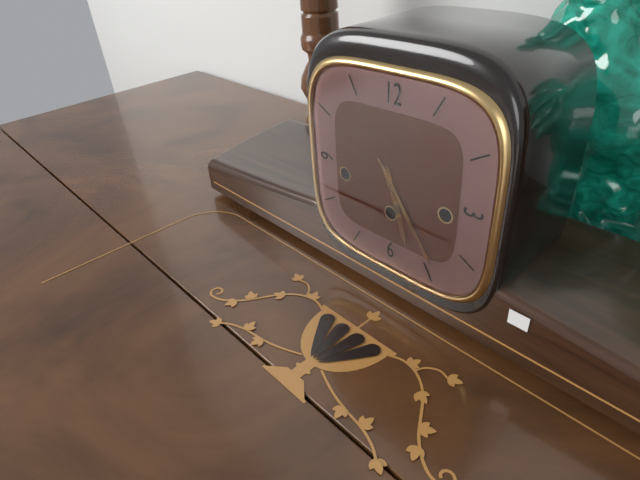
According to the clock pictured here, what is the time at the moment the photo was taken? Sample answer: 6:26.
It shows 5:24
